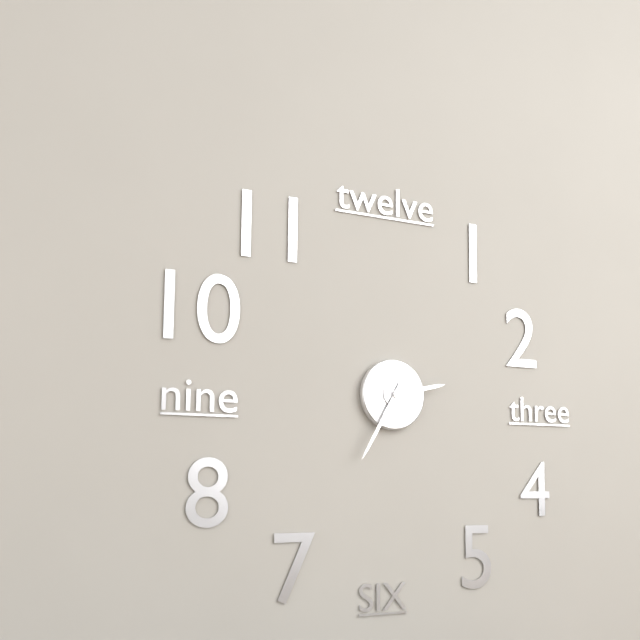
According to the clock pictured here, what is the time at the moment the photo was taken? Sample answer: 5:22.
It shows 2:35
